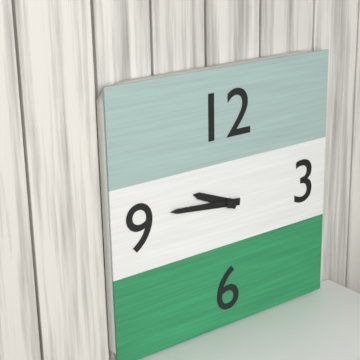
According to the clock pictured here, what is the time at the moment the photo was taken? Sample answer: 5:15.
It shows 9:46
